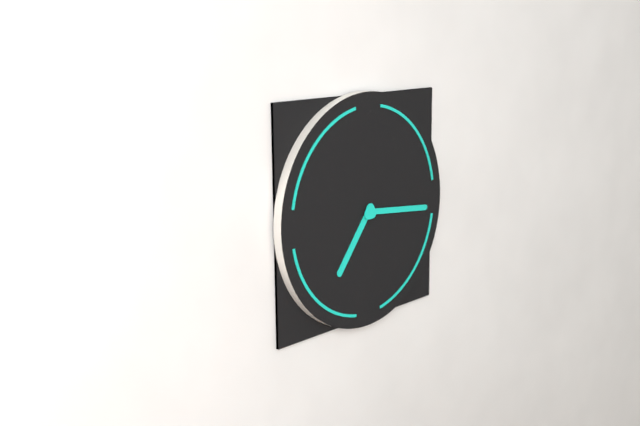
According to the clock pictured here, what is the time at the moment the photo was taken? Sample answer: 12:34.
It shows 7:16
